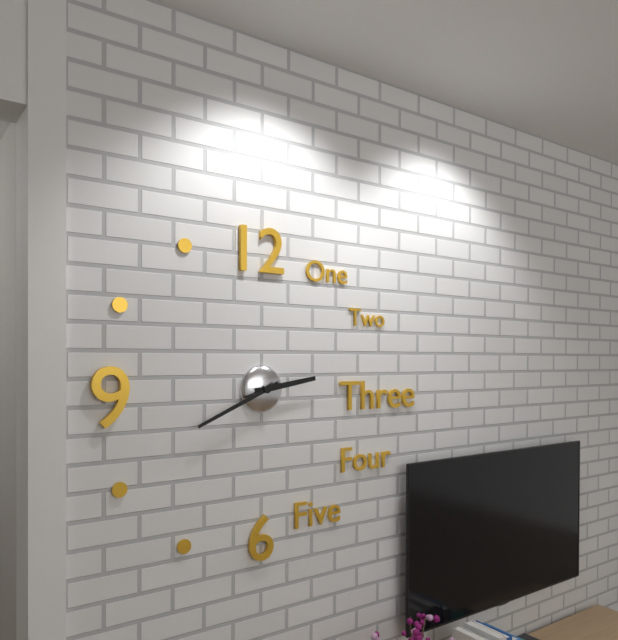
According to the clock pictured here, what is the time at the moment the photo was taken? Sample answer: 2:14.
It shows 2:41
